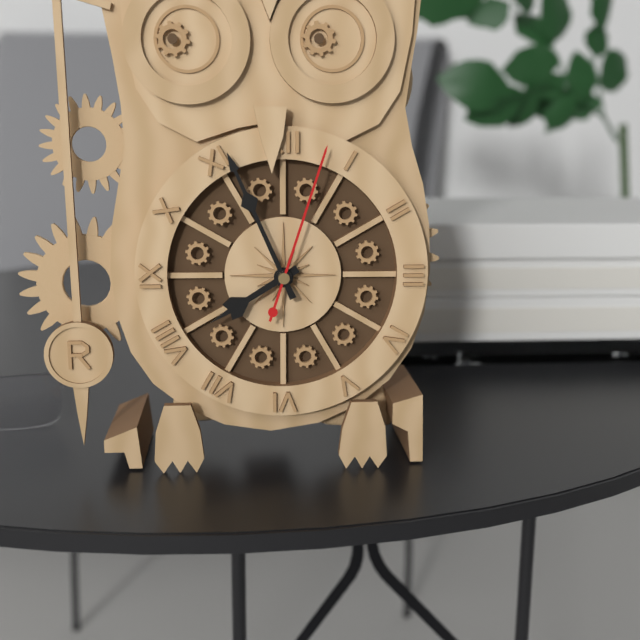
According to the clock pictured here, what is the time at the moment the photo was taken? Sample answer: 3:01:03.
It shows 7:56:03
